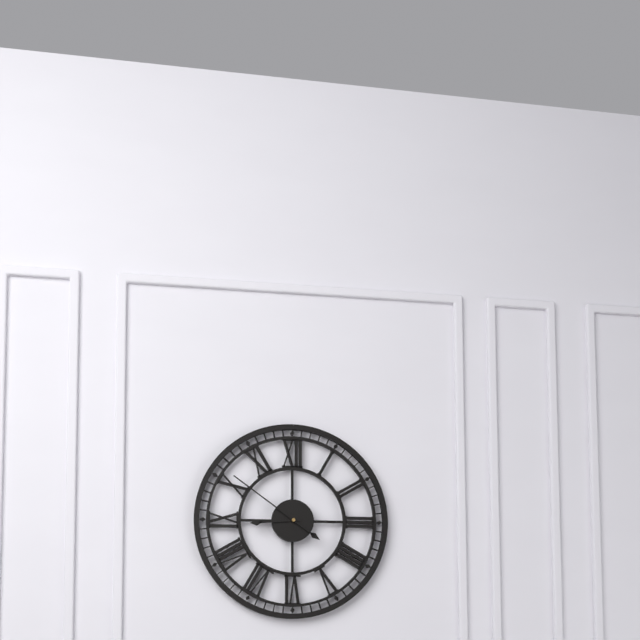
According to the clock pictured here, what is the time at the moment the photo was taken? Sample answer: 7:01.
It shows 8:51
